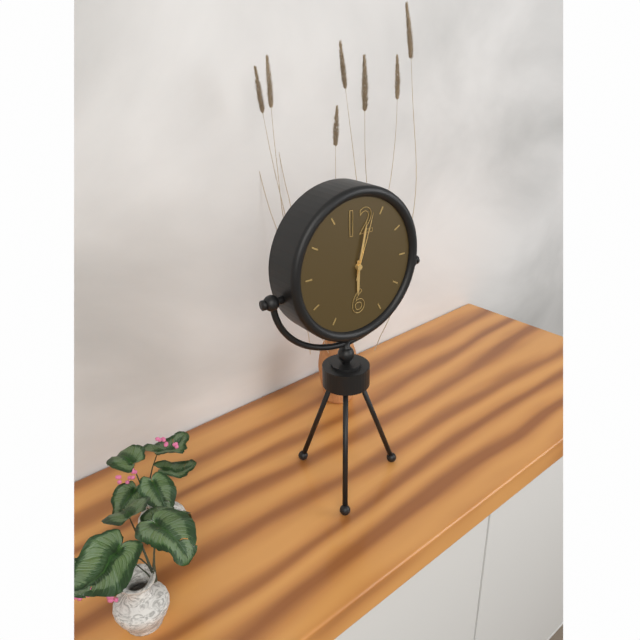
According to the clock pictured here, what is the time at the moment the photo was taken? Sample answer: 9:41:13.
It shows 6:02:03
